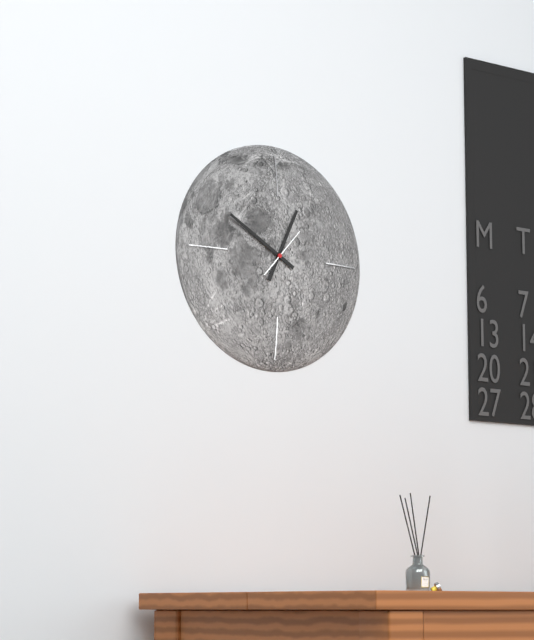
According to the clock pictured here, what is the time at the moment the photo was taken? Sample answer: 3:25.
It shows 12:50
